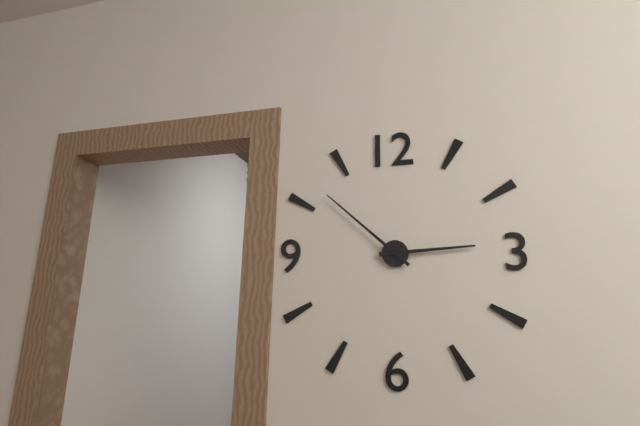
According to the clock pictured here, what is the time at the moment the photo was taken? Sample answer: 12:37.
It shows 2:52
